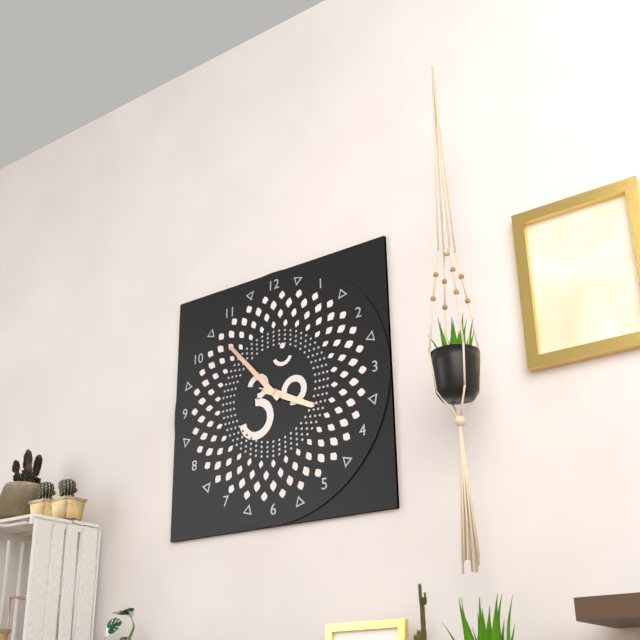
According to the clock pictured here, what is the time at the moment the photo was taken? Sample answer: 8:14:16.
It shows 3:53:19
